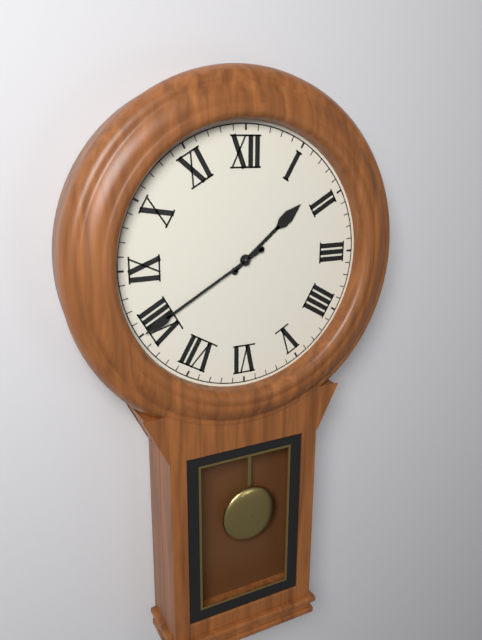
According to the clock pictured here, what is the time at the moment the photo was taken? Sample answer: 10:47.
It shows 1:40
